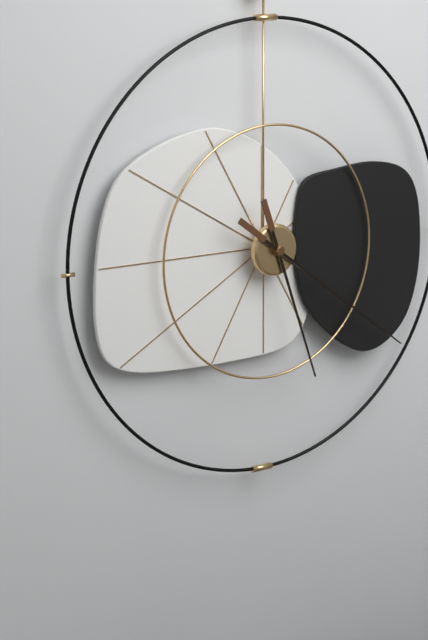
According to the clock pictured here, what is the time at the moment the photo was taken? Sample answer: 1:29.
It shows 5:21
